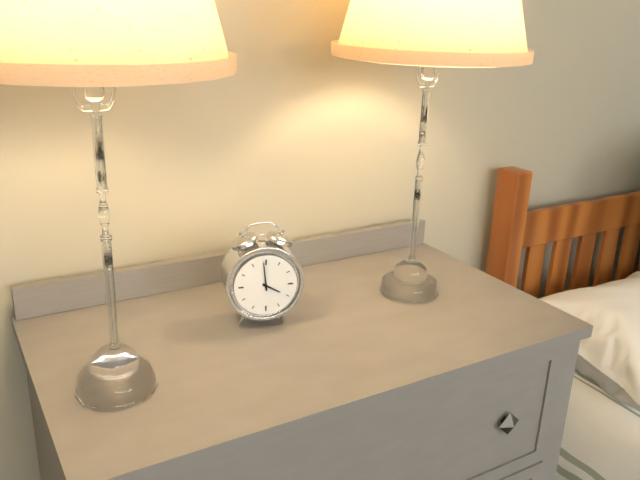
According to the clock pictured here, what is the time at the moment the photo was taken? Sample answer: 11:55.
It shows 3:59
